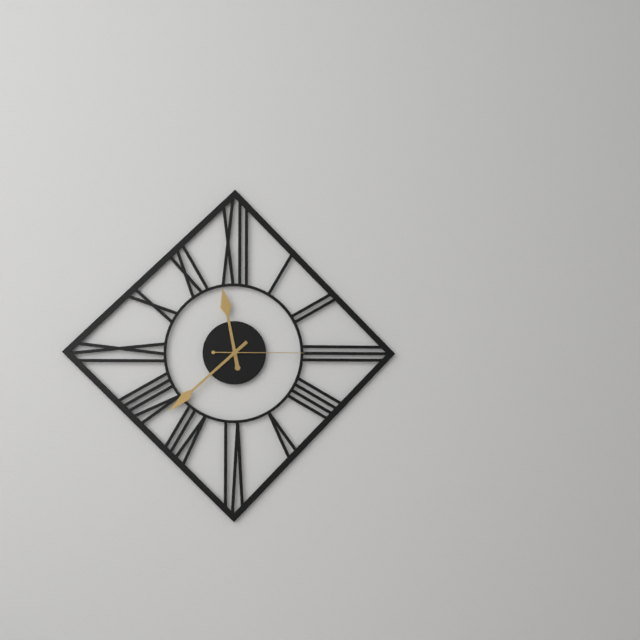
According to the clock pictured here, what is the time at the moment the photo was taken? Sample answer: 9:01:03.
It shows 11:38:15
